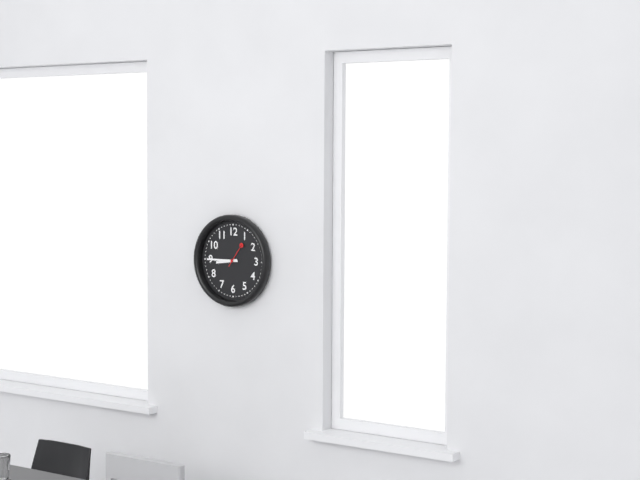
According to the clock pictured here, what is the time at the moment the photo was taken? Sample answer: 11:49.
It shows 8:45
